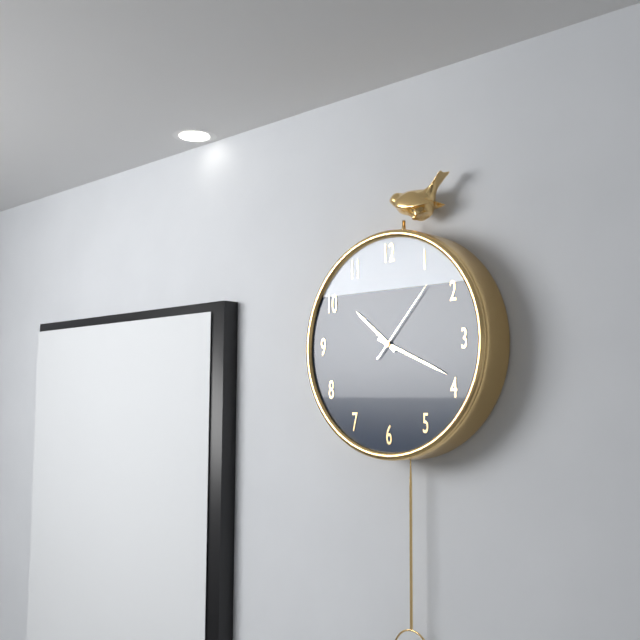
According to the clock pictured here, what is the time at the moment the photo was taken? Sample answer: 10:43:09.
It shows 10:19:07
